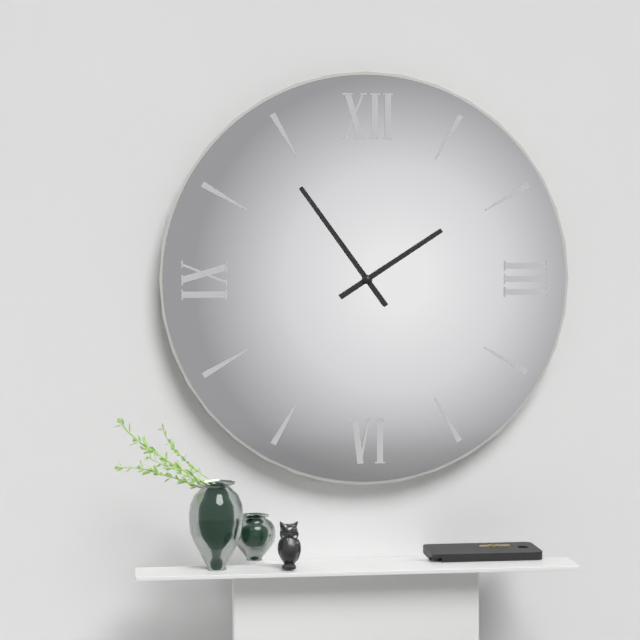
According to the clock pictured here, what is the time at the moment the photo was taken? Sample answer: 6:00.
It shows 1:54
